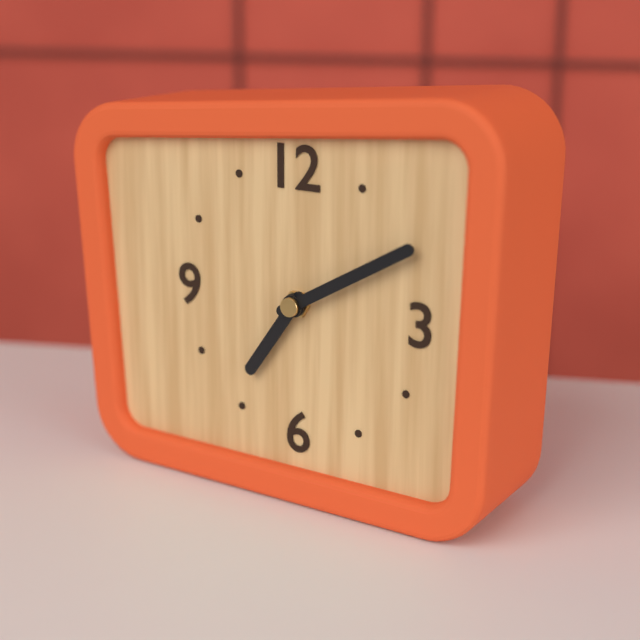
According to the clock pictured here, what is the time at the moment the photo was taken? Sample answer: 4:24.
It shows 7:10
